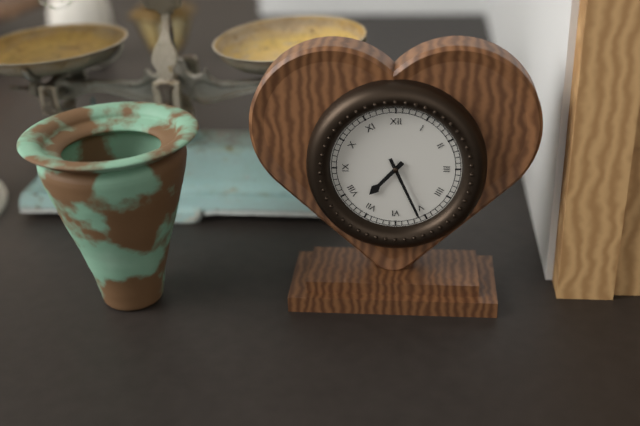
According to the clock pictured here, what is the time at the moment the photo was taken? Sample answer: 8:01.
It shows 7:26
